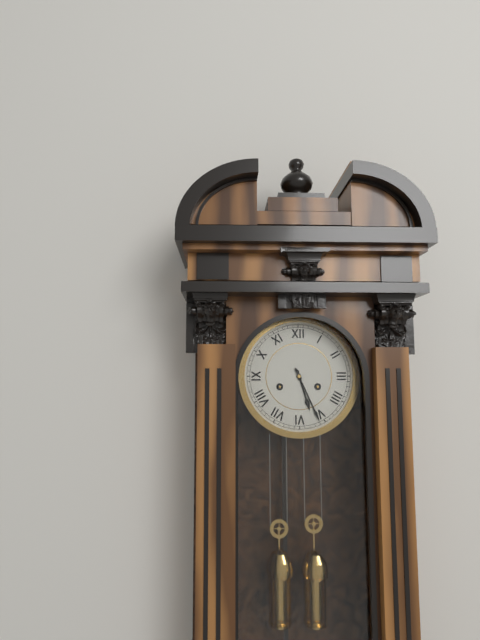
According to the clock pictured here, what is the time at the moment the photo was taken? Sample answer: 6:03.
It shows 5:26
